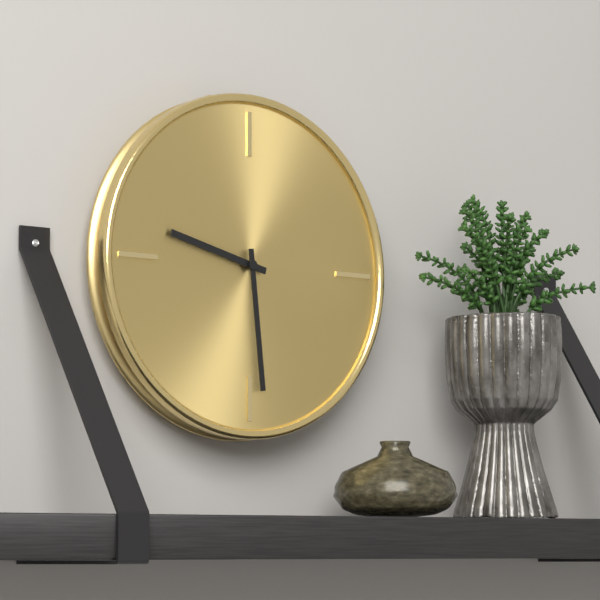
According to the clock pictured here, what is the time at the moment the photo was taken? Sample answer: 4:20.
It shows 9:29
